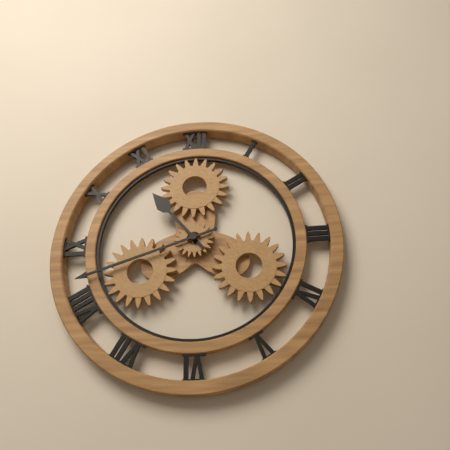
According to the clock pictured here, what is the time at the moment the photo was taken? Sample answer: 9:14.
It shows 10:42
